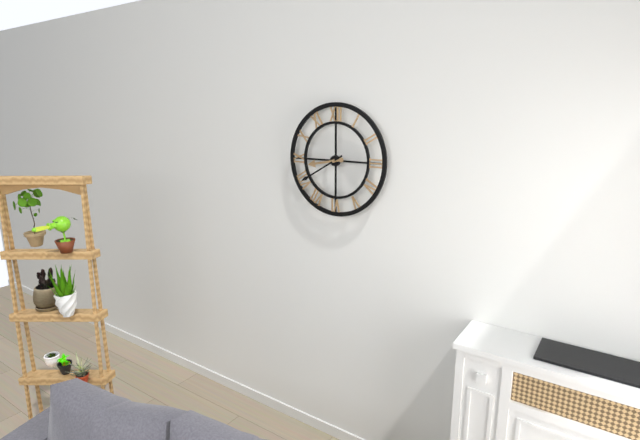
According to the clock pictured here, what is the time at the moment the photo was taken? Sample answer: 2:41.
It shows 8:40
